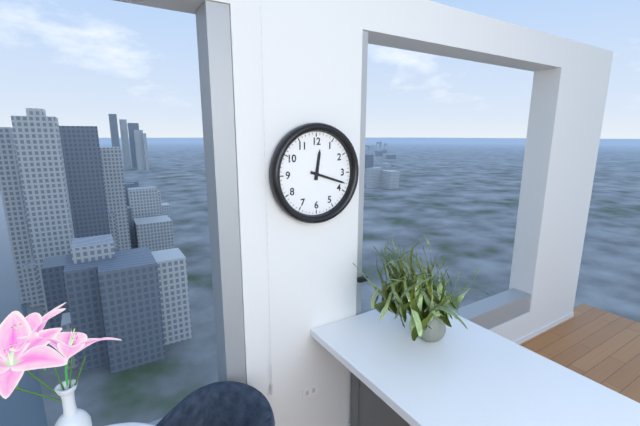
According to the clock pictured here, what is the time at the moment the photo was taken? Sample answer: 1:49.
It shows 12:18
